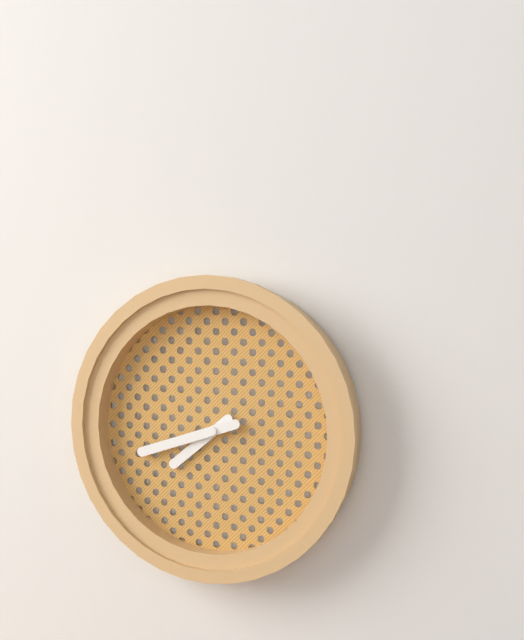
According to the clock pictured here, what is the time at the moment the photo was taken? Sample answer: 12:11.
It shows 7:42
